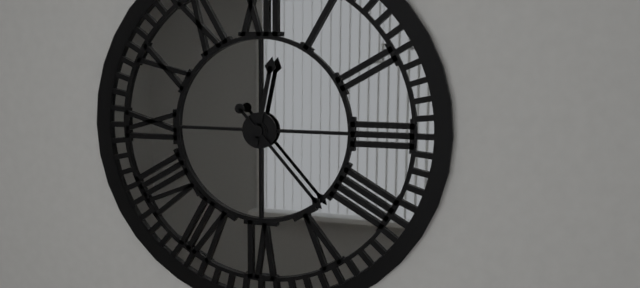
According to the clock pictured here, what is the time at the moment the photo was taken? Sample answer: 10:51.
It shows 12:23
